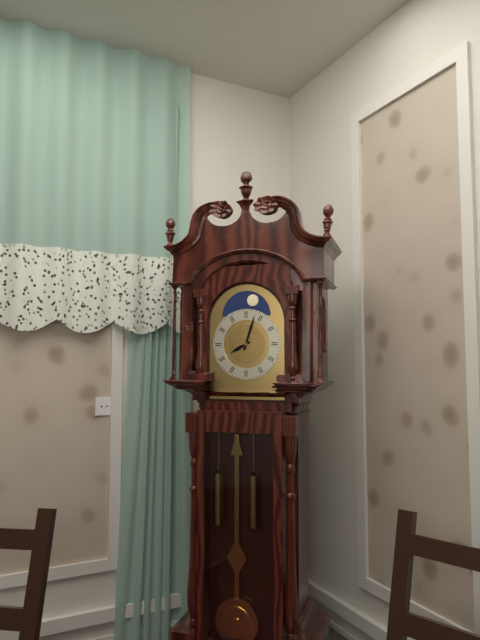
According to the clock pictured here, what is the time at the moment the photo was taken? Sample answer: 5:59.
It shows 8:03
